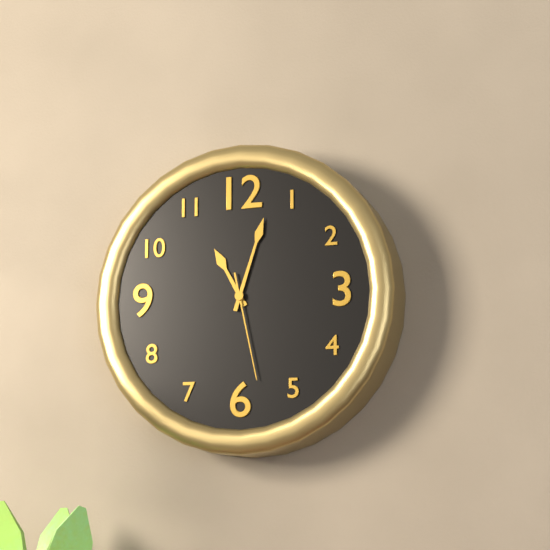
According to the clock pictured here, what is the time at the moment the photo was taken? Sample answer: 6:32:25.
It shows 11:03:28
